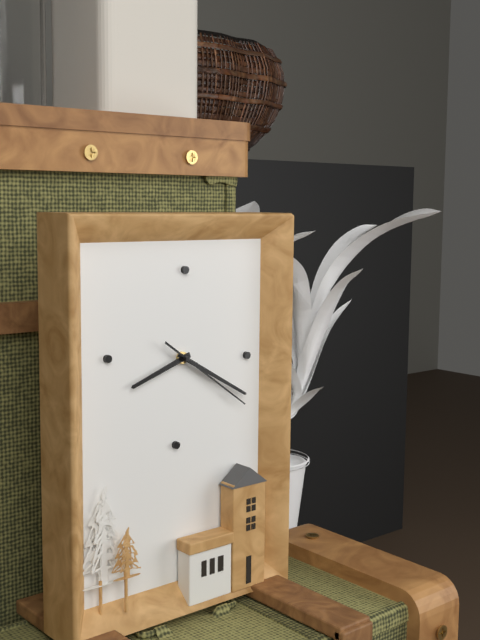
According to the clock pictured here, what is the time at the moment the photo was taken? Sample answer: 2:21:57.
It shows 8:20:21
